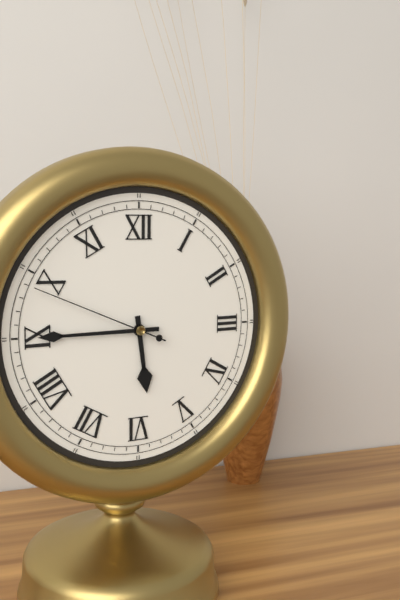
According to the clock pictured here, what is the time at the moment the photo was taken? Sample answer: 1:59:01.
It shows 5:45:49
